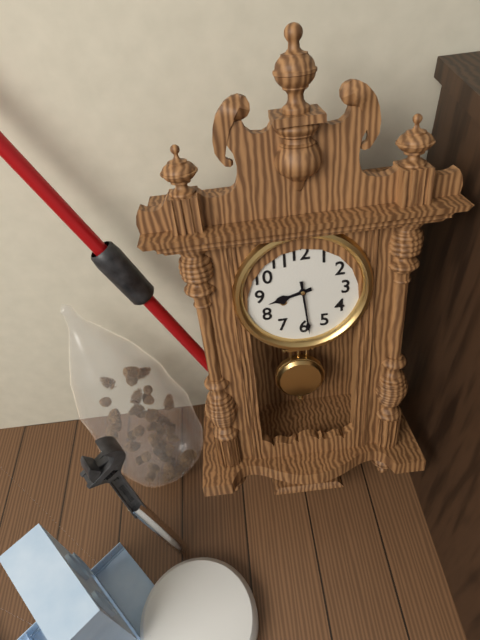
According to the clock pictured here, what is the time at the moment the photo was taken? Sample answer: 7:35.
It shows 8:29
